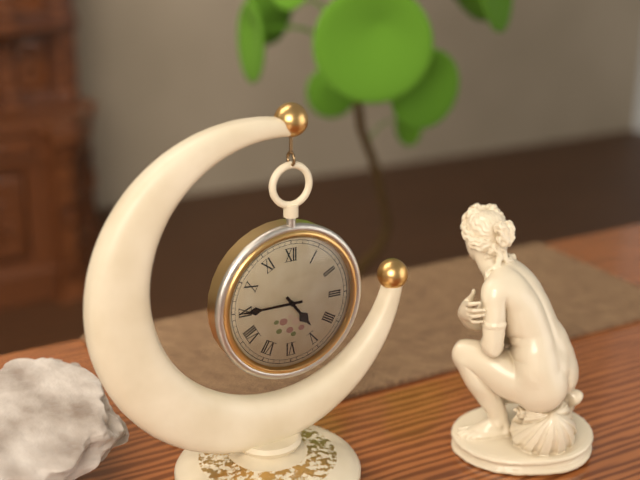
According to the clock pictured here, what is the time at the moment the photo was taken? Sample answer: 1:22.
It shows 4:45
